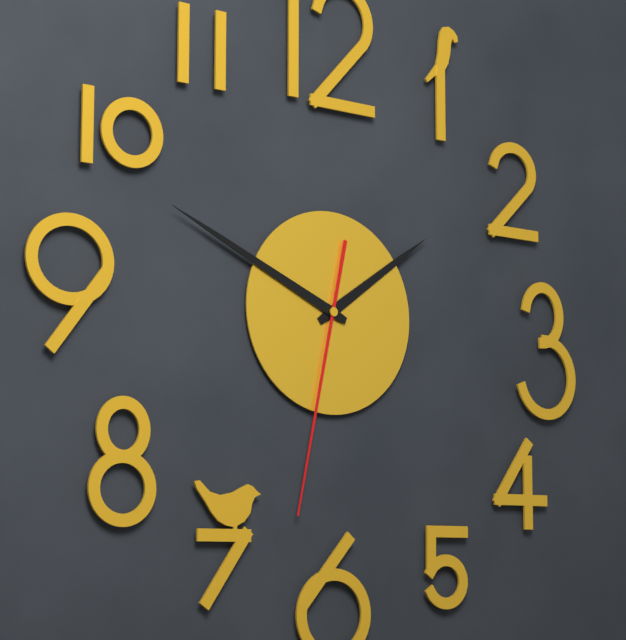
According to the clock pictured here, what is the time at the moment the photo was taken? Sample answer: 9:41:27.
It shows 1:49:32
